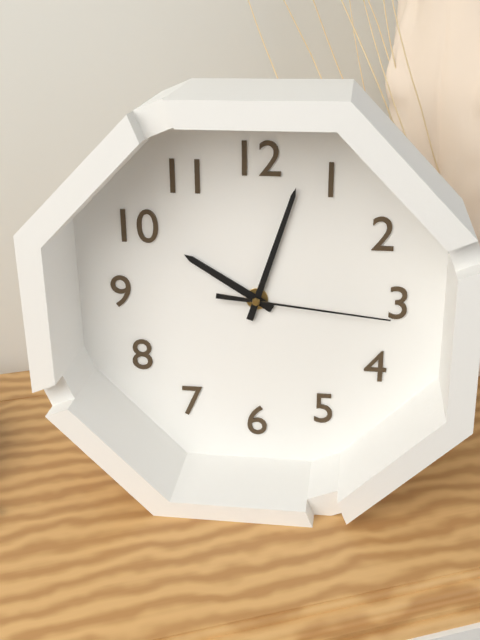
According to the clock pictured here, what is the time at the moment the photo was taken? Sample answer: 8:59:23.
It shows 10:03:16
